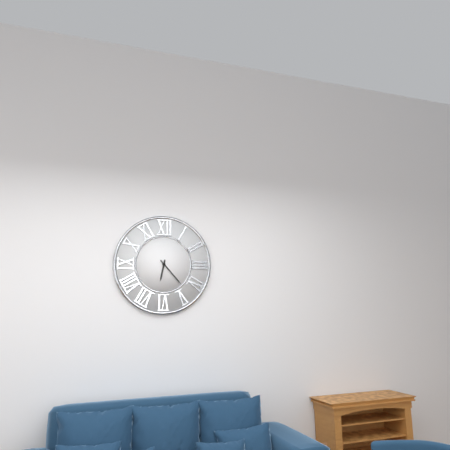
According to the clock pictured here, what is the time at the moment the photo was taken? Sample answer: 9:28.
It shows 6:23
